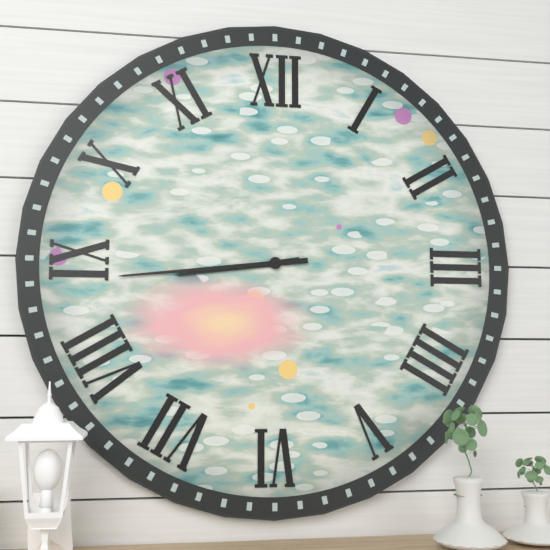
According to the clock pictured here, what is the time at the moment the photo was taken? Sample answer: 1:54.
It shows 8:44
